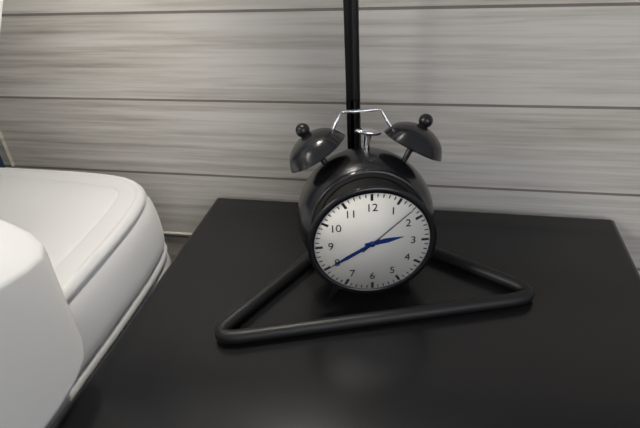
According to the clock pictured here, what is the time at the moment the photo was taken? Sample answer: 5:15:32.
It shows 2:40:08
